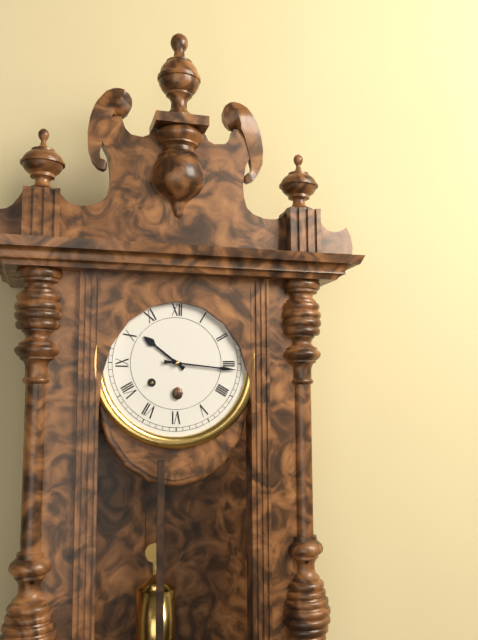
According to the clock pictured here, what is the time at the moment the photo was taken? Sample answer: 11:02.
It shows 10:16
